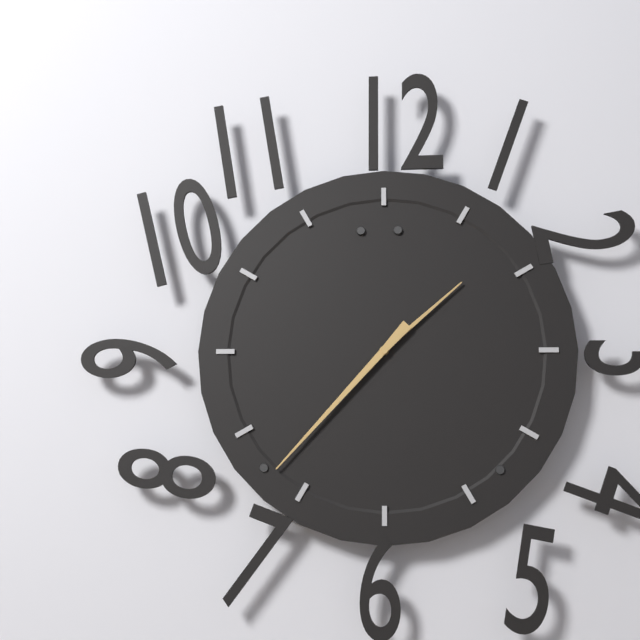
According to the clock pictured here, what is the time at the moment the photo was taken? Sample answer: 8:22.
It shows 1:37
